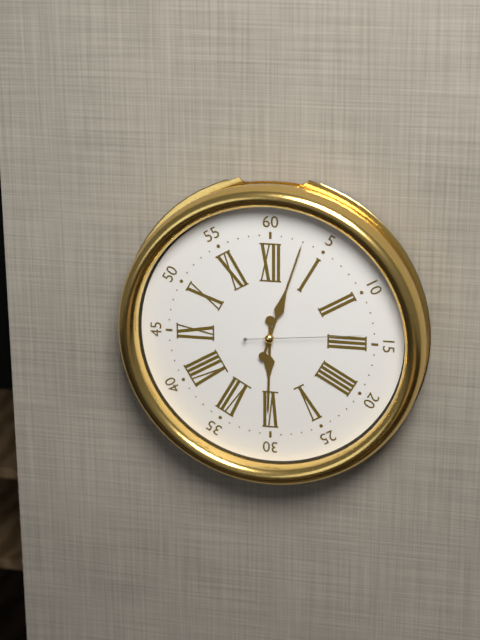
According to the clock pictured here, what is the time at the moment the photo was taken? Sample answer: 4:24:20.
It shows 6:03:14
